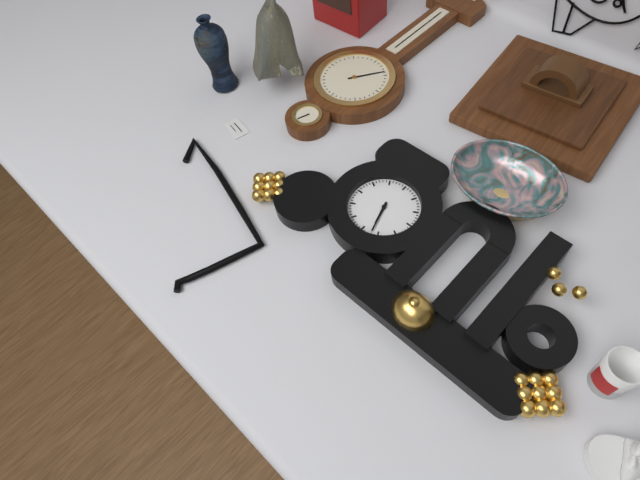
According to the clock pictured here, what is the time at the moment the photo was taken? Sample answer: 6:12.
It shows 5:27
